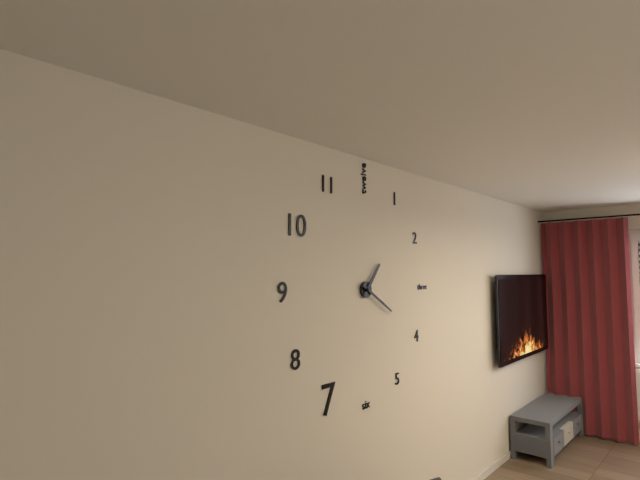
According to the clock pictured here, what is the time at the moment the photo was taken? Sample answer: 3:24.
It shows 1:20
